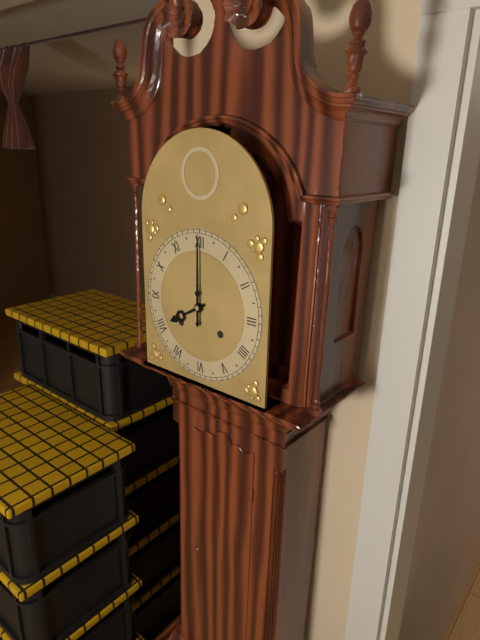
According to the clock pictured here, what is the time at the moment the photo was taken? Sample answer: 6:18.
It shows 8:00
